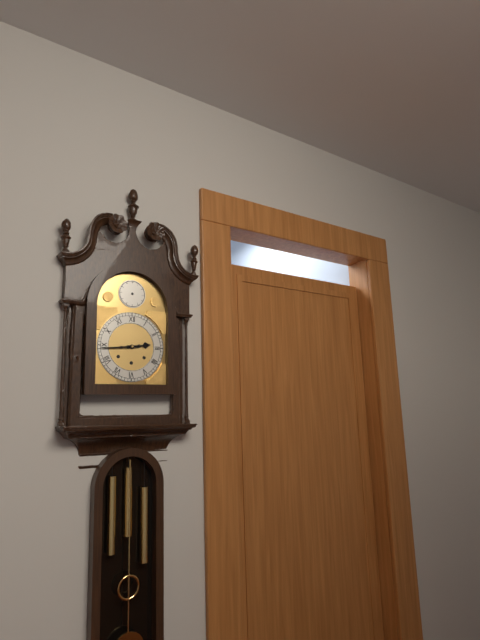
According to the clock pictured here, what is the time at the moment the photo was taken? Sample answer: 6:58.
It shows 2:44
